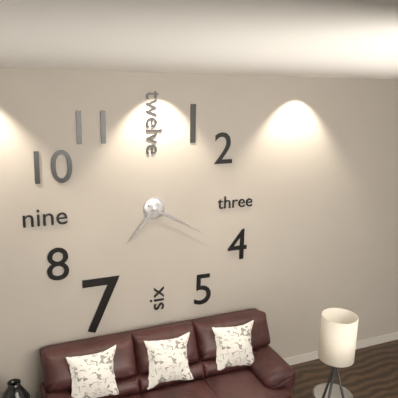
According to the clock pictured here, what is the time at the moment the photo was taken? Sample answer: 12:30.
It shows 7:20
